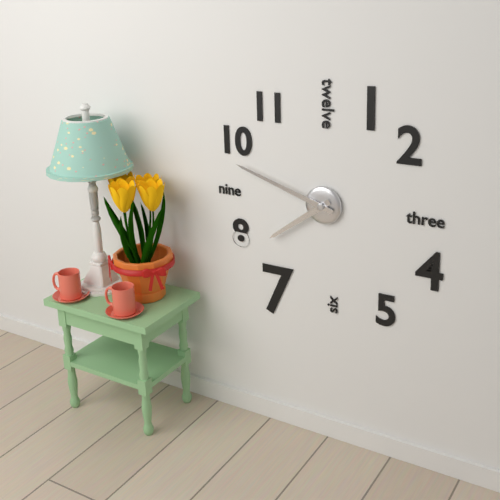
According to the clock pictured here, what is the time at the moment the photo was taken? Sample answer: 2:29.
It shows 7:48
